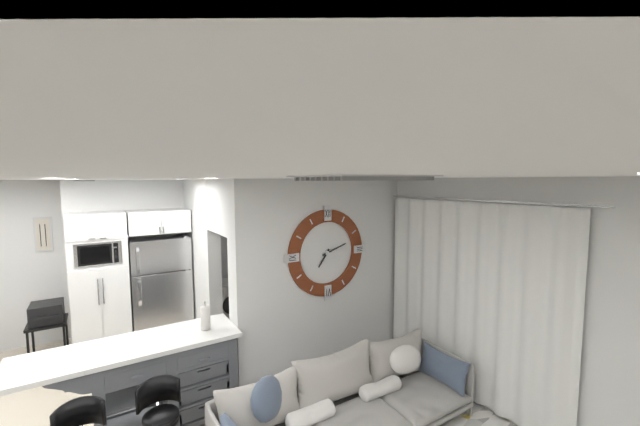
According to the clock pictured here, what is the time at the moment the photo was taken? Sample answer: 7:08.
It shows 7:12
